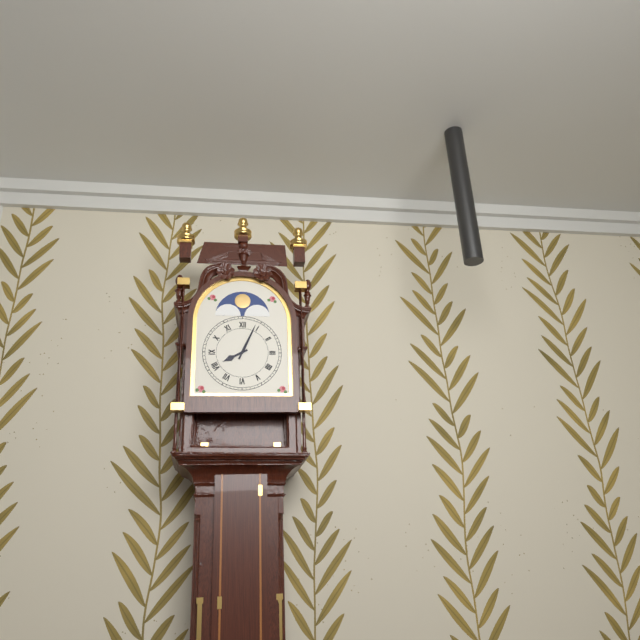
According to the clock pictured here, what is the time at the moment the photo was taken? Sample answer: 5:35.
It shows 8:04
